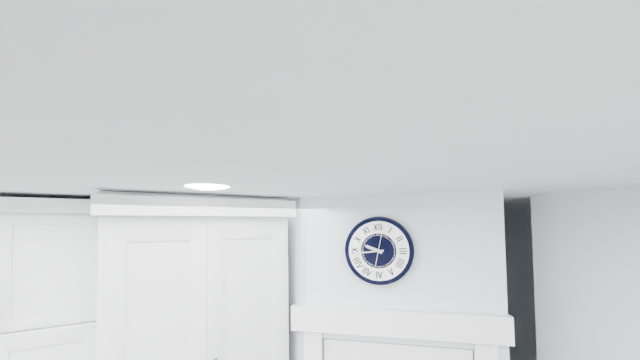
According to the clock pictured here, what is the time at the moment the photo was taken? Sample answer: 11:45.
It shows 9:44
